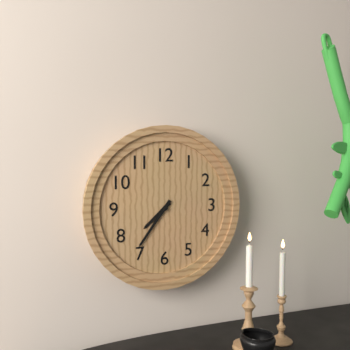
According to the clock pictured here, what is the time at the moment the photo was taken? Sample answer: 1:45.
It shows 7:36
